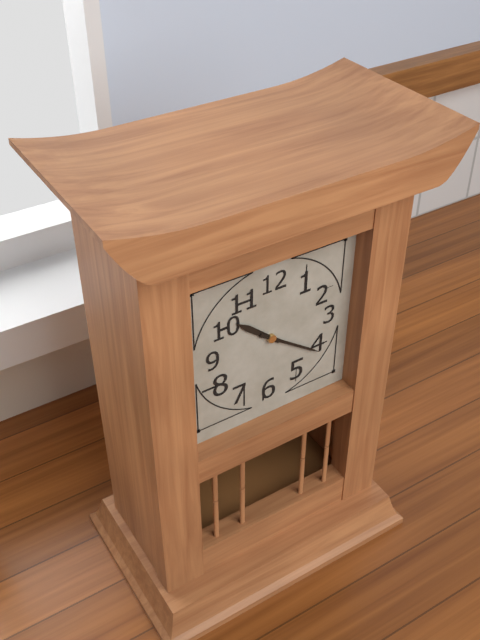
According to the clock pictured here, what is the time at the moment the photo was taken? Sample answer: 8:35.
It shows 10:21
